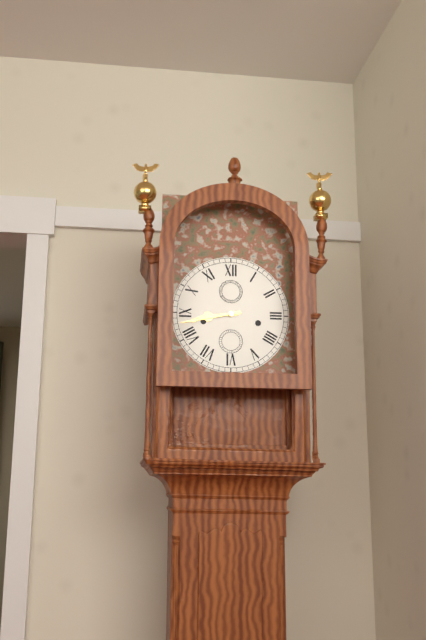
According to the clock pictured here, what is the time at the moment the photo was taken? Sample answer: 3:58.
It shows 8:43
